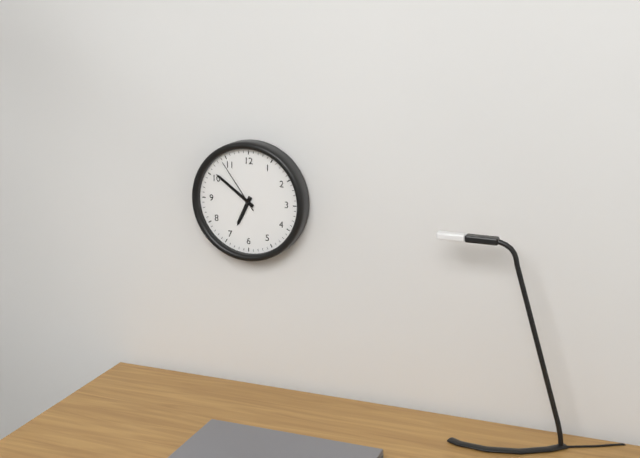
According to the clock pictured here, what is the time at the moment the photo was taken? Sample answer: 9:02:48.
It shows 6:51:54
